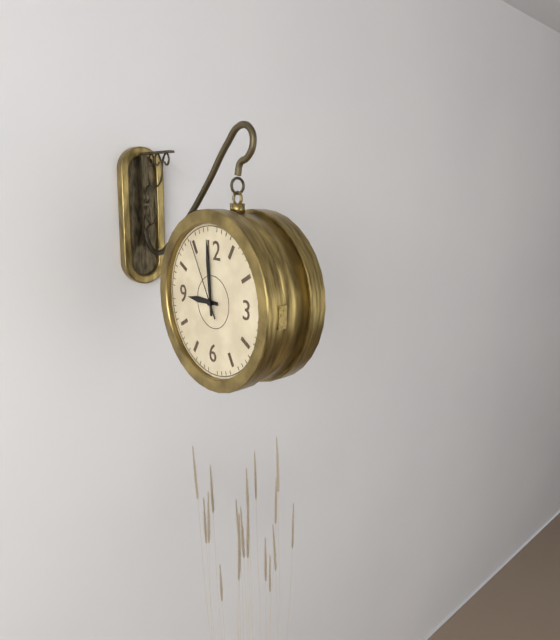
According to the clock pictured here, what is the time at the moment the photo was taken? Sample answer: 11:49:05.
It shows 8:59:55
